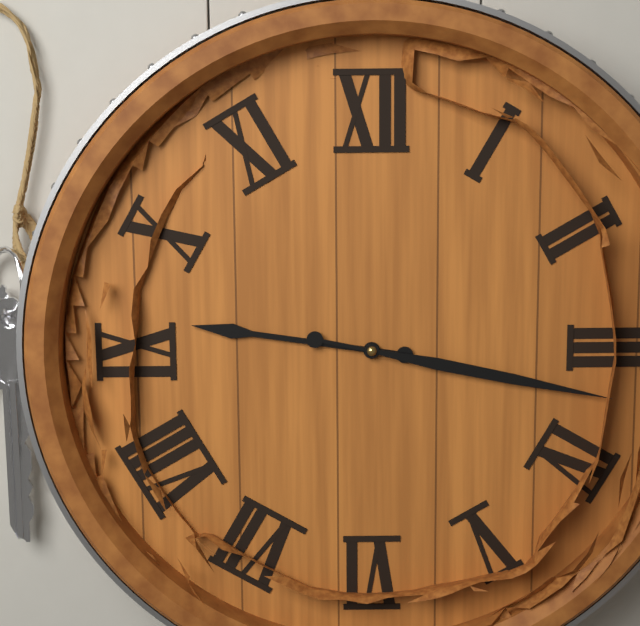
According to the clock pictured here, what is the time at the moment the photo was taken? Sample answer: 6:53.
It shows 9:17
